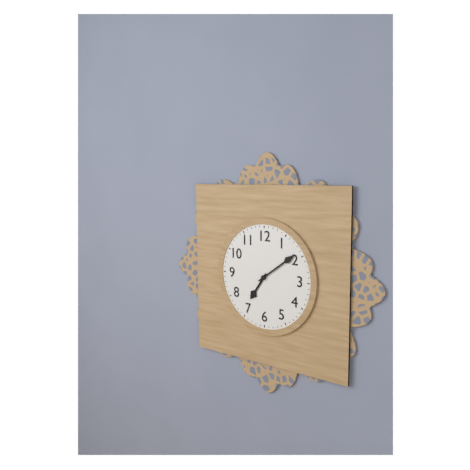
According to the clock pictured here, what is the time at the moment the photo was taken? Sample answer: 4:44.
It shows 7:09
